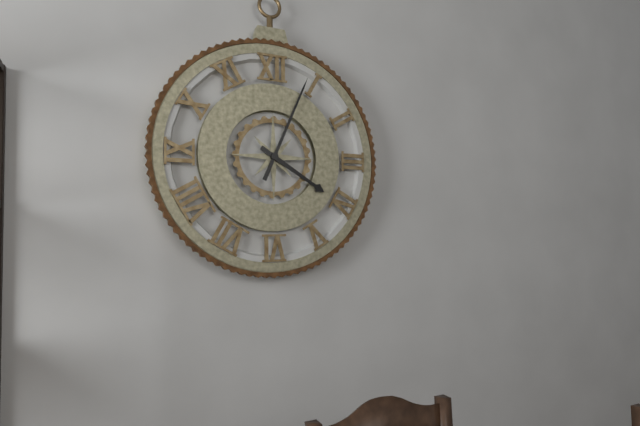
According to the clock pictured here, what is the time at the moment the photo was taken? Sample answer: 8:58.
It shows 4:04
